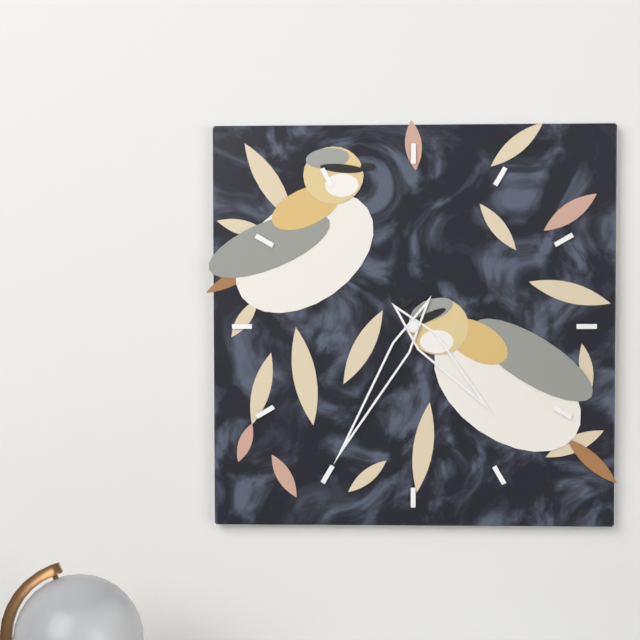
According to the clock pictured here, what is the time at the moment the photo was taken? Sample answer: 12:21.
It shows 4:35
